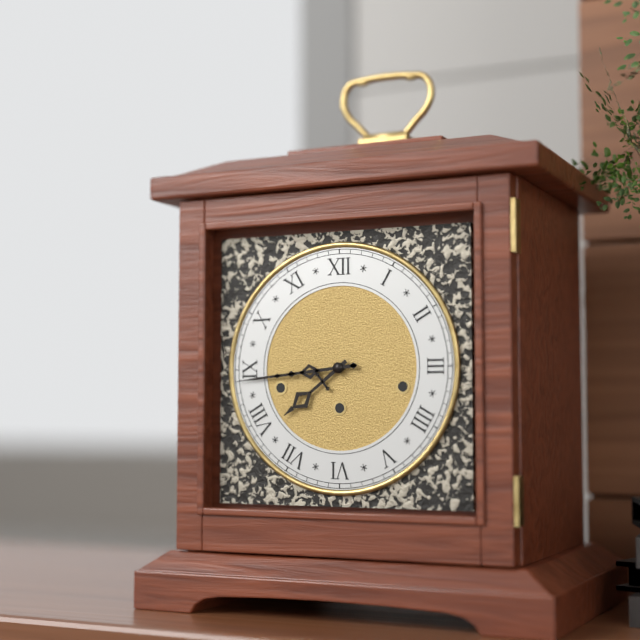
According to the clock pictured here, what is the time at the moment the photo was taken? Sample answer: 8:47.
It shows 7:44
